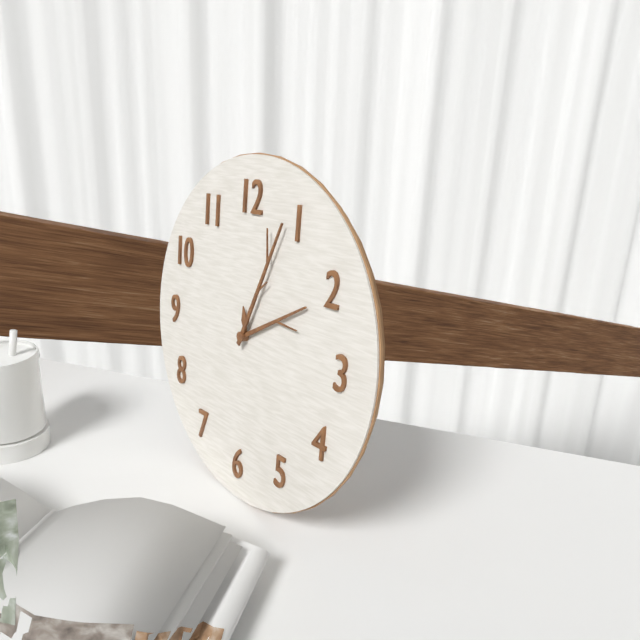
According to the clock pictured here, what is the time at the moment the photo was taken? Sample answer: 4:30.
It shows 2:04
